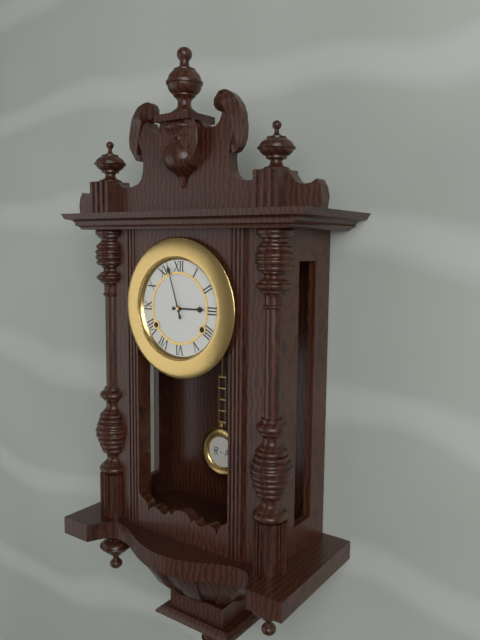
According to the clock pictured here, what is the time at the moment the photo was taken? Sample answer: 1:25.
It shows 2:57
